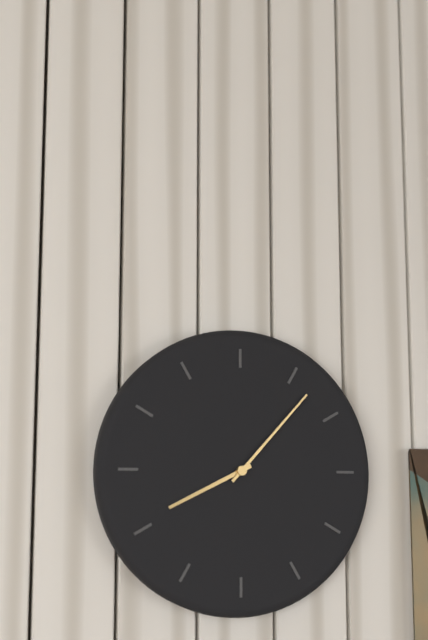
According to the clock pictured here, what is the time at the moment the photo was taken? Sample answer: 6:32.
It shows 8:07
